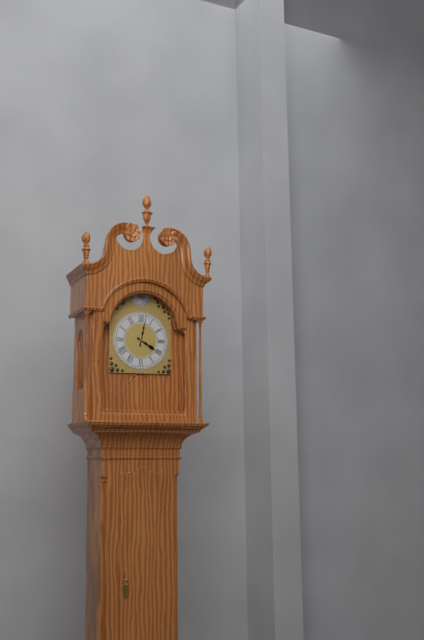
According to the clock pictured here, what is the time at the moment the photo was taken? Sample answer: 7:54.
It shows 4:02
